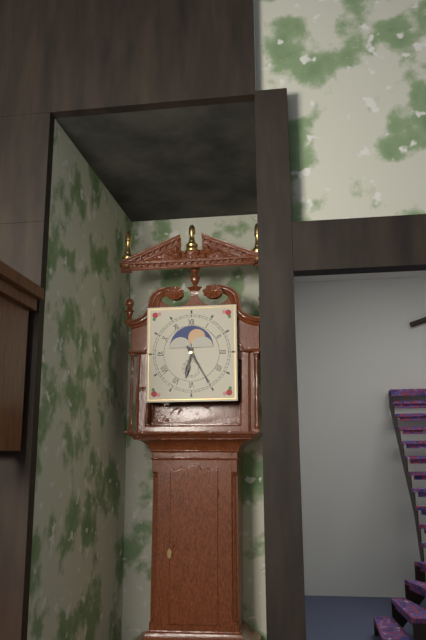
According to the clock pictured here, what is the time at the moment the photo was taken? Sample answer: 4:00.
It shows 6:25
